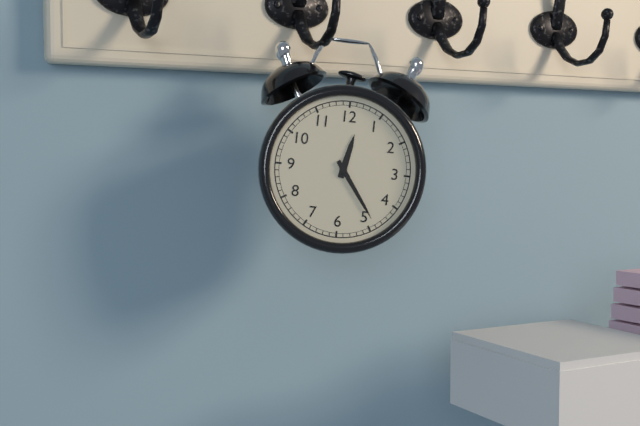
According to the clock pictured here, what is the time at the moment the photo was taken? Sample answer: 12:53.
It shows 12:24
